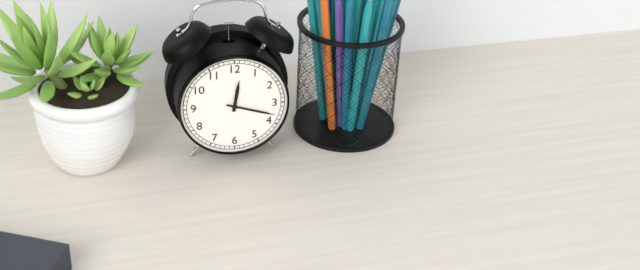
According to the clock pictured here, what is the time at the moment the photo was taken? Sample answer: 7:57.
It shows 12:18
